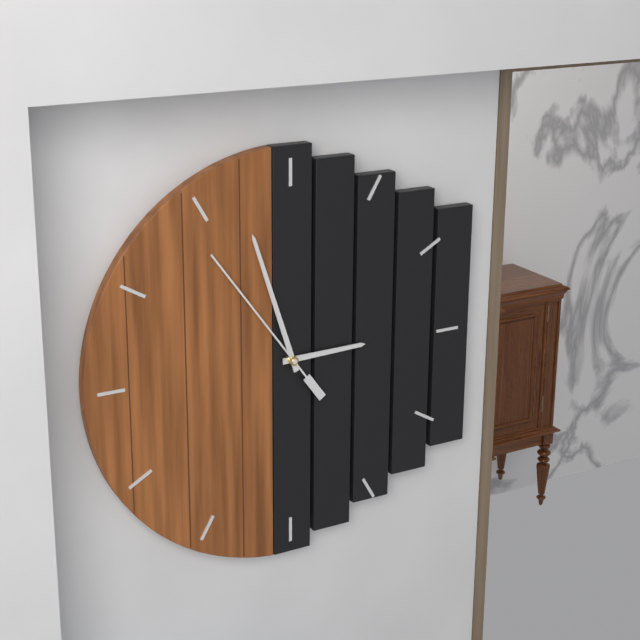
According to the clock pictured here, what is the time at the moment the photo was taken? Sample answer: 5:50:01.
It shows 2:57:54
